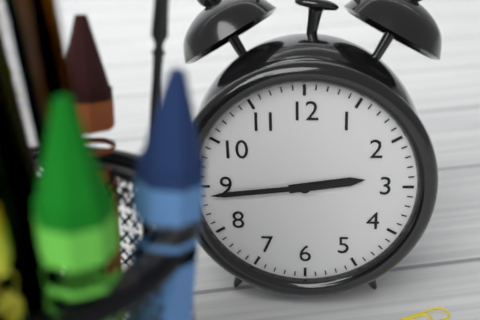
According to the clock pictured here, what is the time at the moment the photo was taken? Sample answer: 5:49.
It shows 2:44
